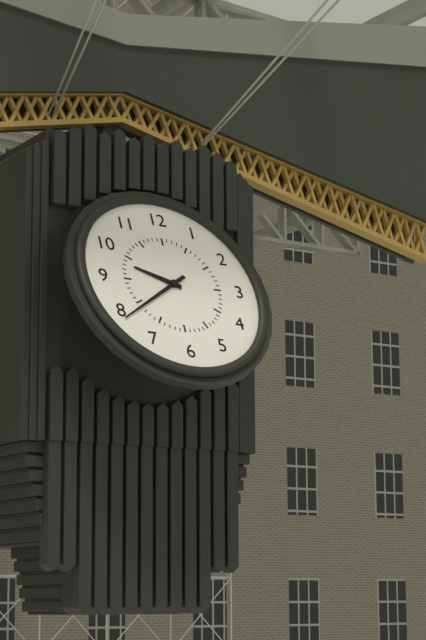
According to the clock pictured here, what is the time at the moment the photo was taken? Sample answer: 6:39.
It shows 9:39
